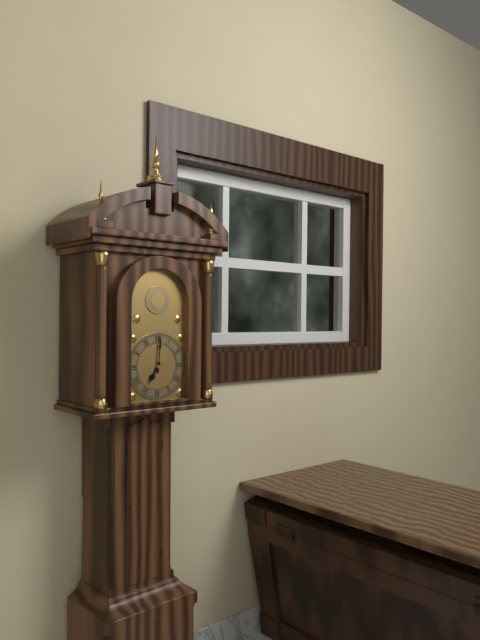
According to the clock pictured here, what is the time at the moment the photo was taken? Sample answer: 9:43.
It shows 7:01
